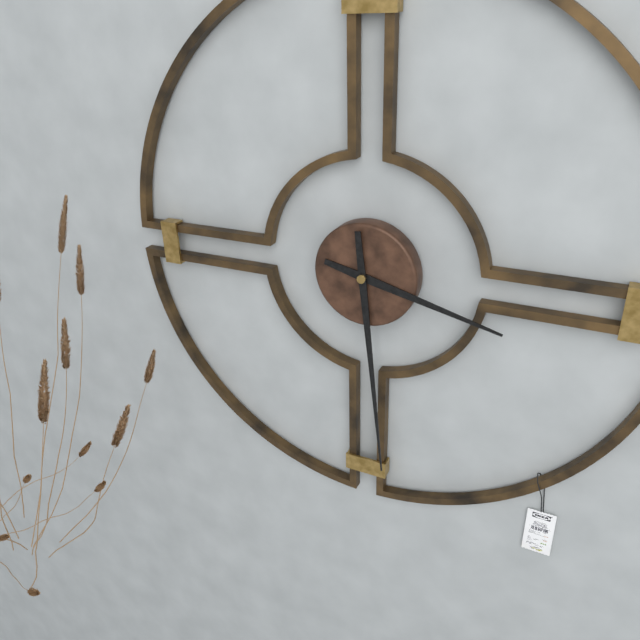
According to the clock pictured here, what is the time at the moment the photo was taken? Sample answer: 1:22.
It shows 3:29
